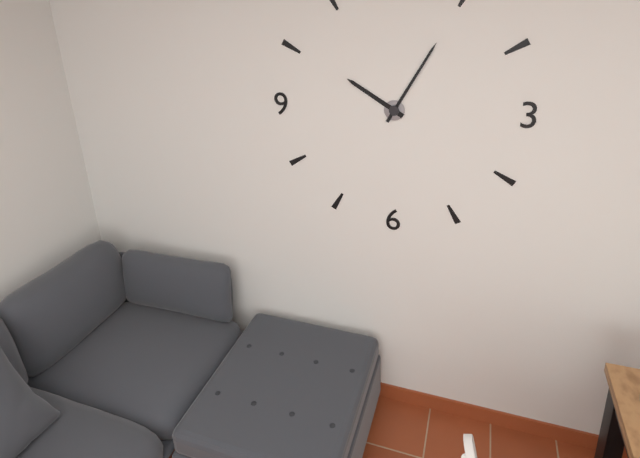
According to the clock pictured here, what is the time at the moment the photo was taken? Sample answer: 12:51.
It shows 10:05
